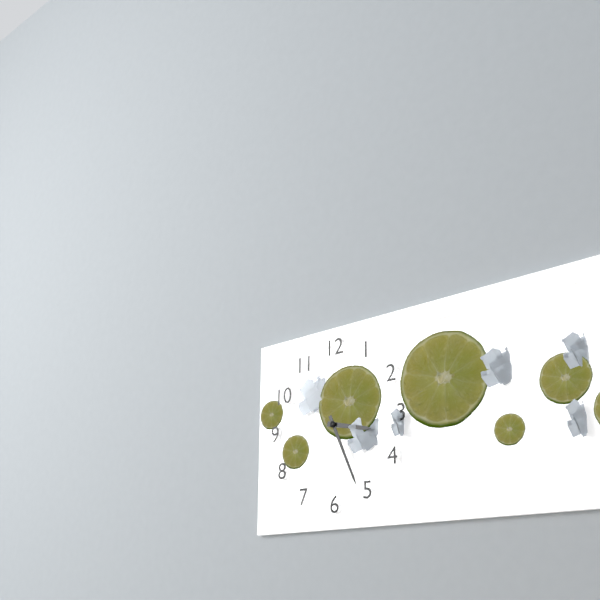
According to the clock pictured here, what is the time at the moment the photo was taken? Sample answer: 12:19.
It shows 3:26
